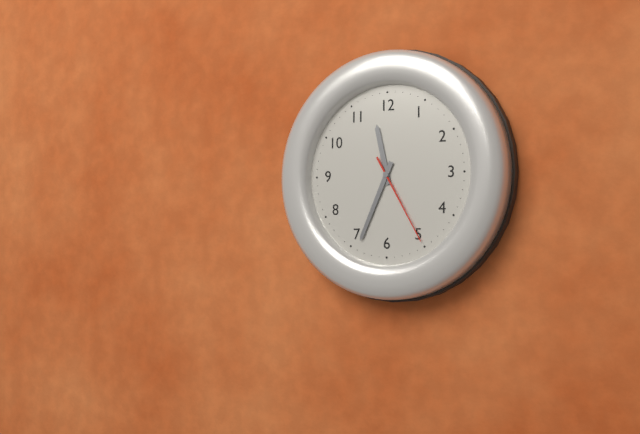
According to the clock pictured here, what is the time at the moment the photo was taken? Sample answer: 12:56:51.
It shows 11:34:25
